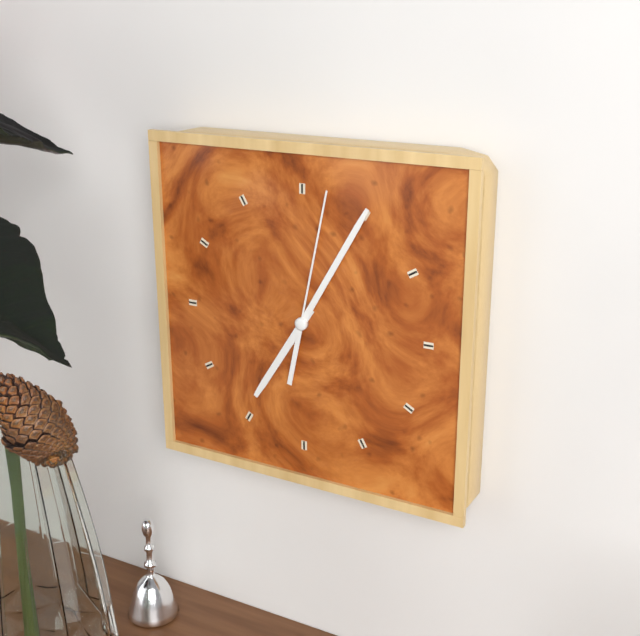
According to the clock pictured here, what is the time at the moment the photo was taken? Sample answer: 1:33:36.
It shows 7:05:02
